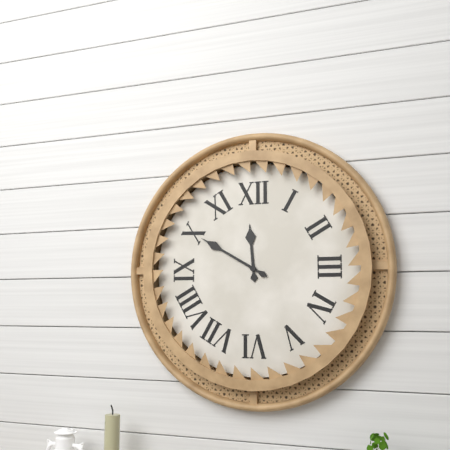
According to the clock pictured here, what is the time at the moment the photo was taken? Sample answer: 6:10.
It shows 11:50
